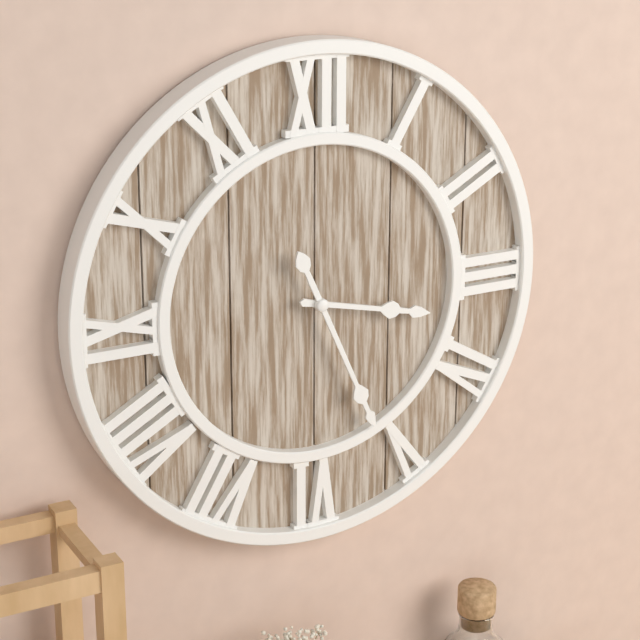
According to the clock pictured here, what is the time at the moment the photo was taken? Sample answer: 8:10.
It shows 3:26
